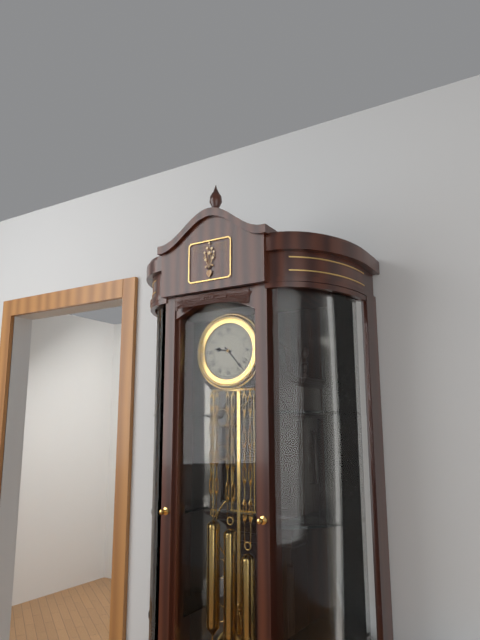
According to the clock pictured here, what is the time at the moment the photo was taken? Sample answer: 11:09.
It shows 9:23
